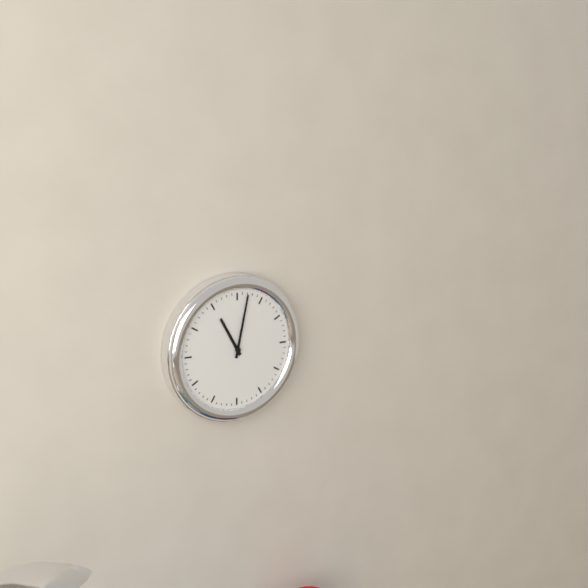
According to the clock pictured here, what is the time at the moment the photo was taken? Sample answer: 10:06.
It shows 11:02
